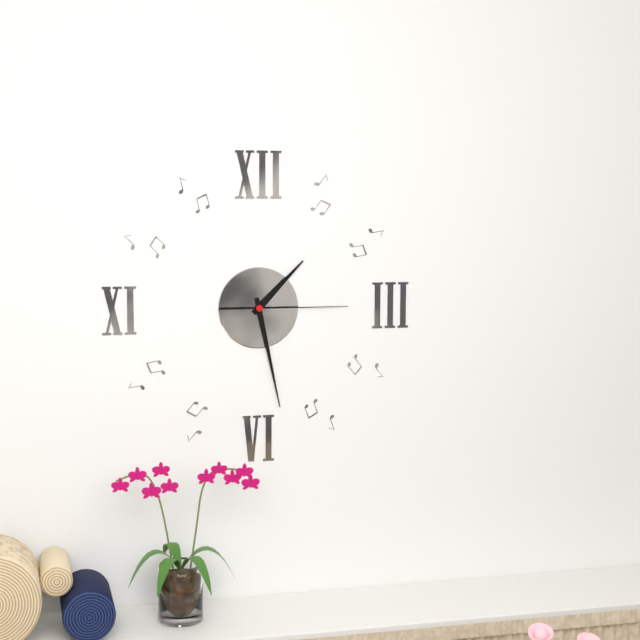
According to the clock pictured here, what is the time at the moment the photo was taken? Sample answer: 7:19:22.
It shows 1:28:15
